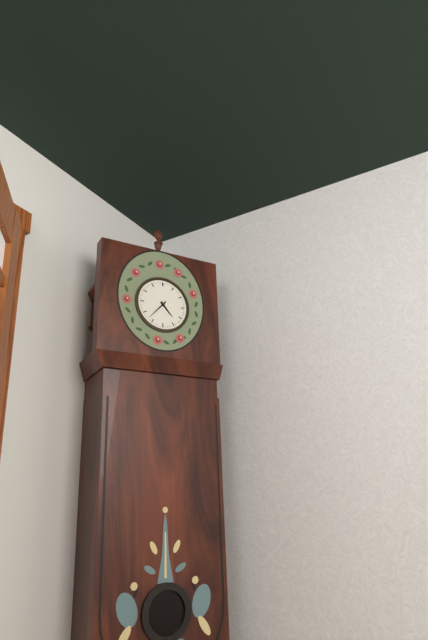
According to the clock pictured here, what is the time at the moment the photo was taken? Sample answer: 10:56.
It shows 4:37
